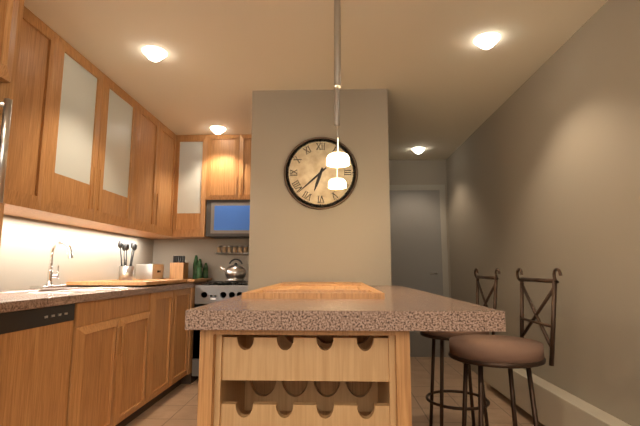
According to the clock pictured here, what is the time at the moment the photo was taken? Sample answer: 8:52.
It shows 6:38
